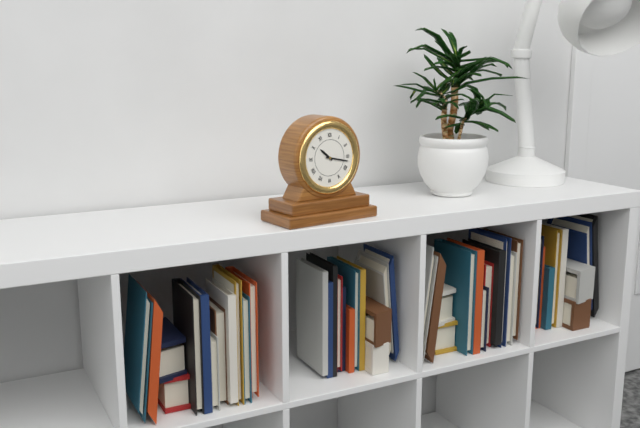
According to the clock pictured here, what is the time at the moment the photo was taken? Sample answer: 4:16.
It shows 10:17
